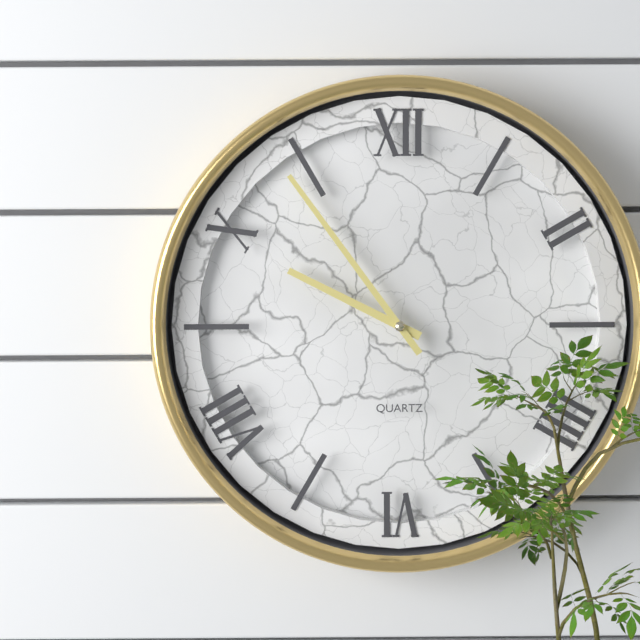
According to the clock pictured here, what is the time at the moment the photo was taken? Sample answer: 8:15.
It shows 9:54
